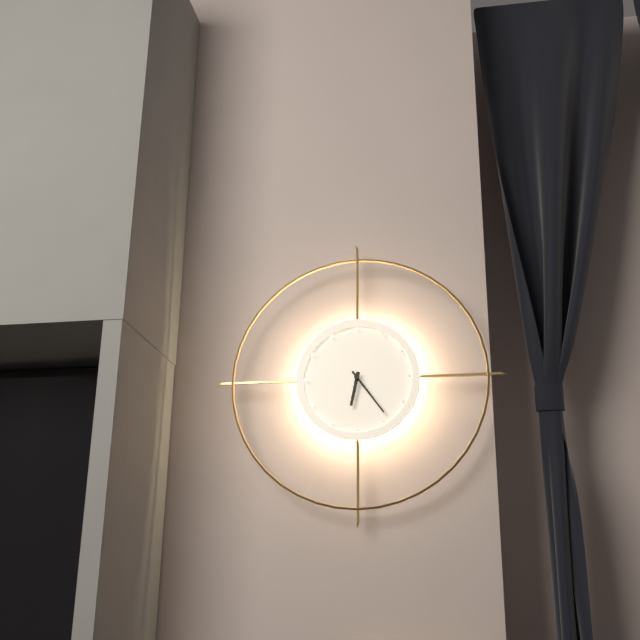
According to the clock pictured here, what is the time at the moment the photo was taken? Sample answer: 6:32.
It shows 6:24
